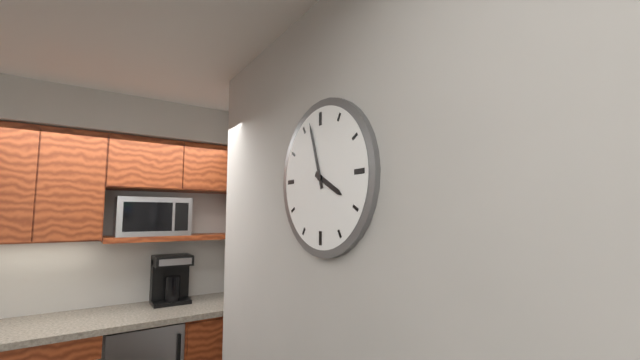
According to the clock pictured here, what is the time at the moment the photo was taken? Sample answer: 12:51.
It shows 3:57
